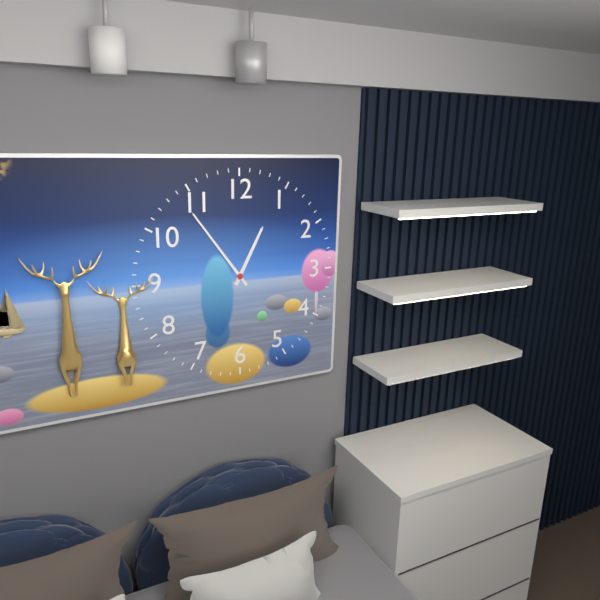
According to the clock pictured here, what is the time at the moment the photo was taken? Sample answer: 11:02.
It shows 12:54
